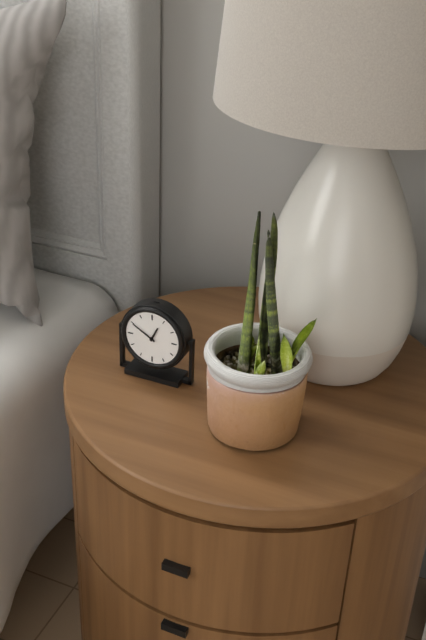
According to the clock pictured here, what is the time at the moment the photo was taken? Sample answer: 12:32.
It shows 12:50
